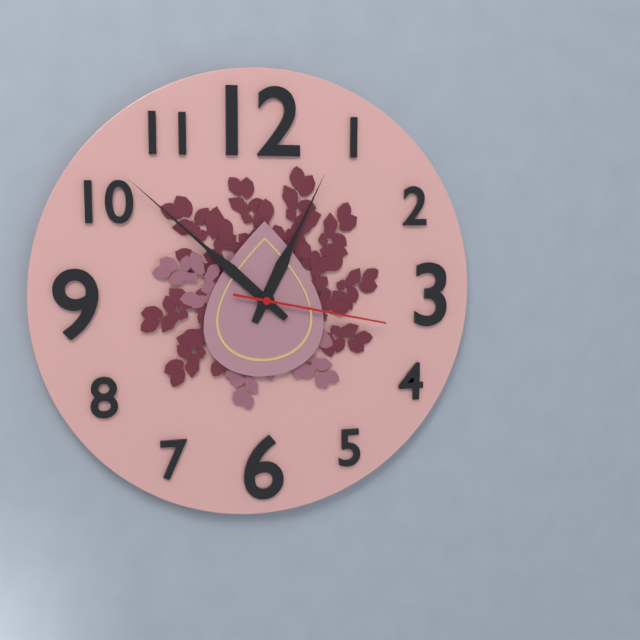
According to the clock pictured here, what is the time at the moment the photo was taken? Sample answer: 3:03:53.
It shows 12:52:17
